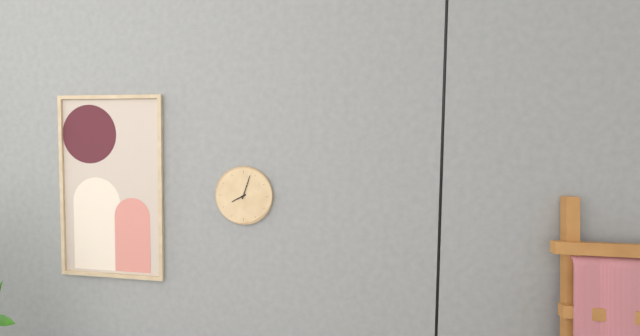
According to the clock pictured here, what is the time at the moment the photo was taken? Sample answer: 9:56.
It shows 8:03
